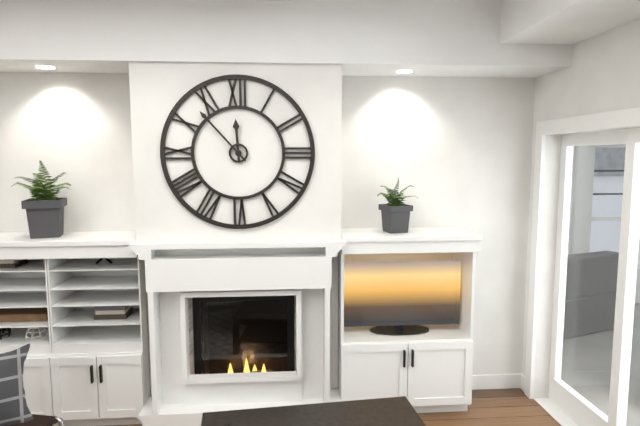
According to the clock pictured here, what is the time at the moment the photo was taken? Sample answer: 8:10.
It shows 11:53
